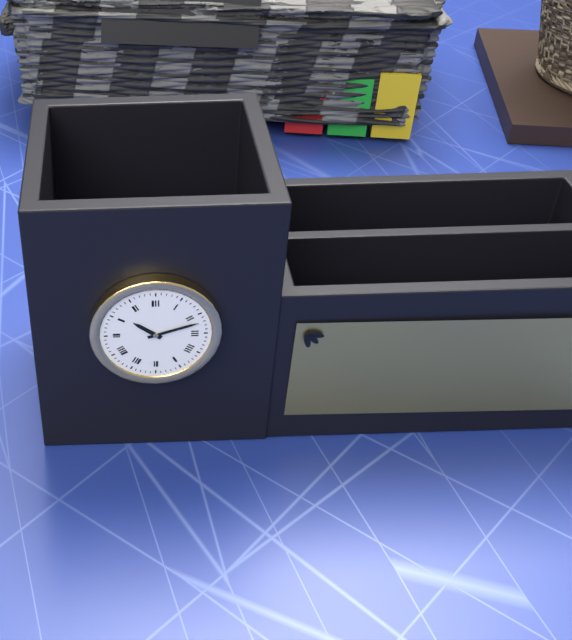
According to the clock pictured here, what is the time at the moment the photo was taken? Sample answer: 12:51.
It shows 10:12
